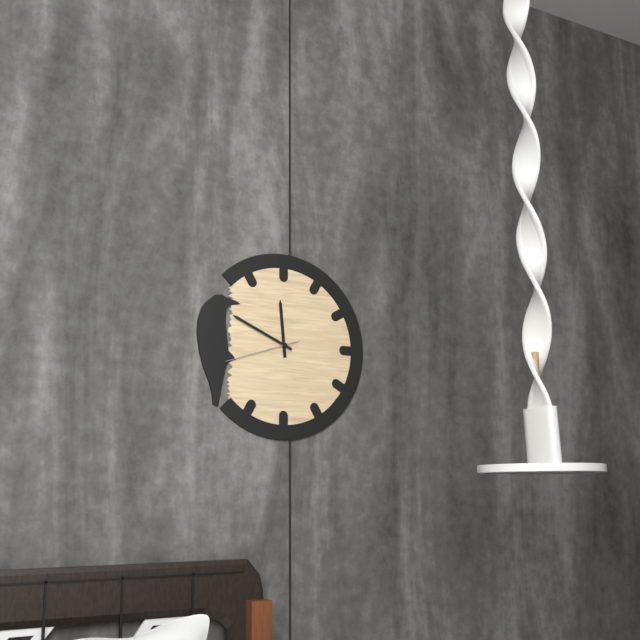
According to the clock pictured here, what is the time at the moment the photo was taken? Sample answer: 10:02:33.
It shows 11:49:42
